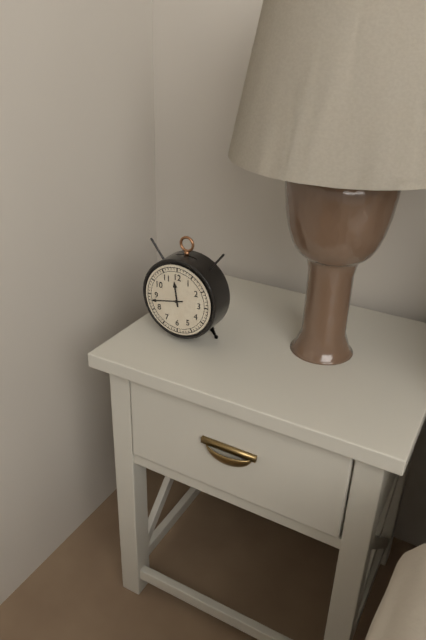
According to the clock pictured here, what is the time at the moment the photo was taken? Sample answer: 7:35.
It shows 11:43
